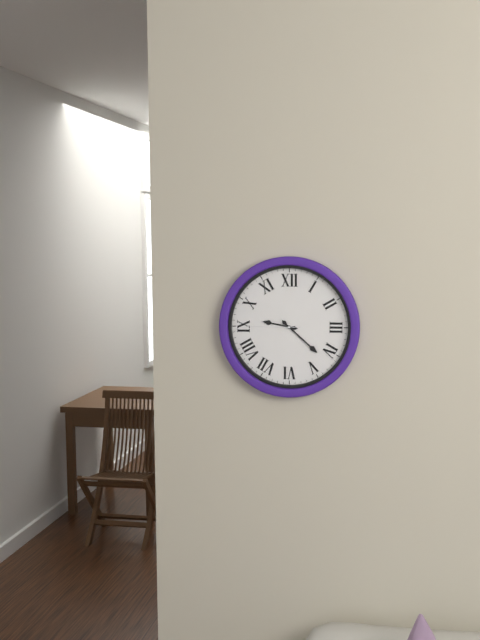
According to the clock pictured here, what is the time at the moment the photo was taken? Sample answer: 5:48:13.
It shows 9:22:45
